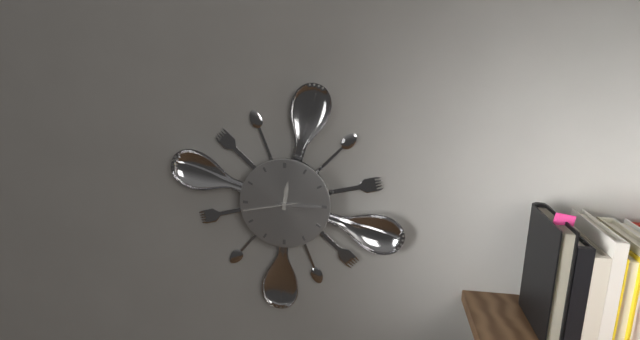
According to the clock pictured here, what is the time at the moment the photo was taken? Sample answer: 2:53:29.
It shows 12:15:43
